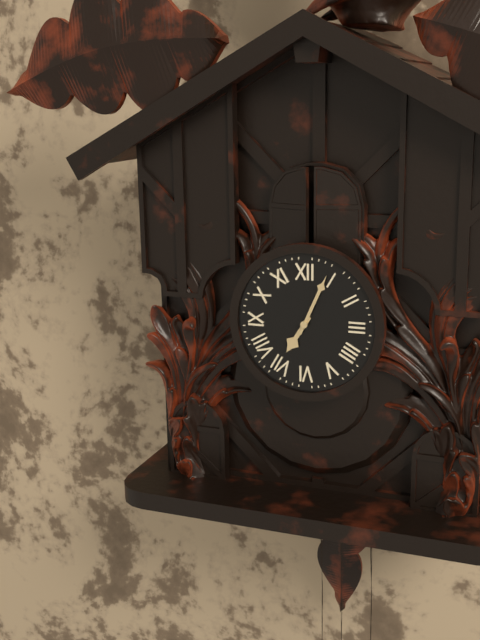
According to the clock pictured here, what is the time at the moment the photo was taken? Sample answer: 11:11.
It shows 7:04
